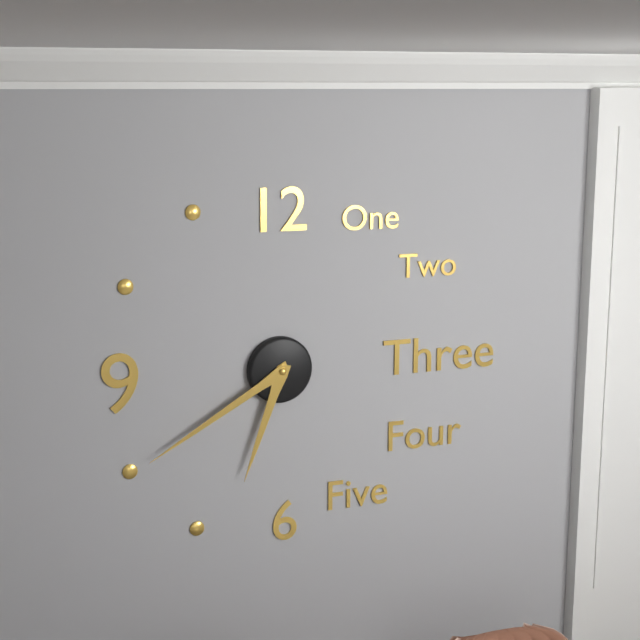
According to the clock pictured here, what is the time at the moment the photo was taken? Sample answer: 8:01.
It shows 6:40
